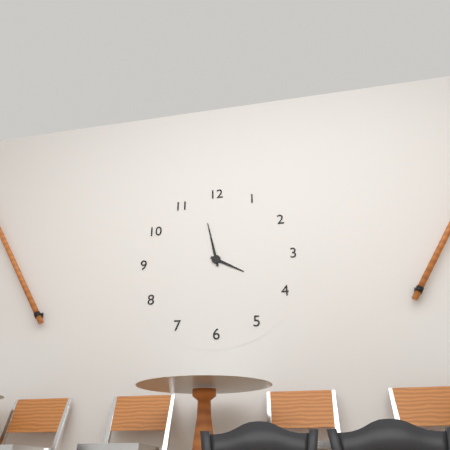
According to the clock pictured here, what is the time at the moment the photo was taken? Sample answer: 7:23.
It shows 3:58
